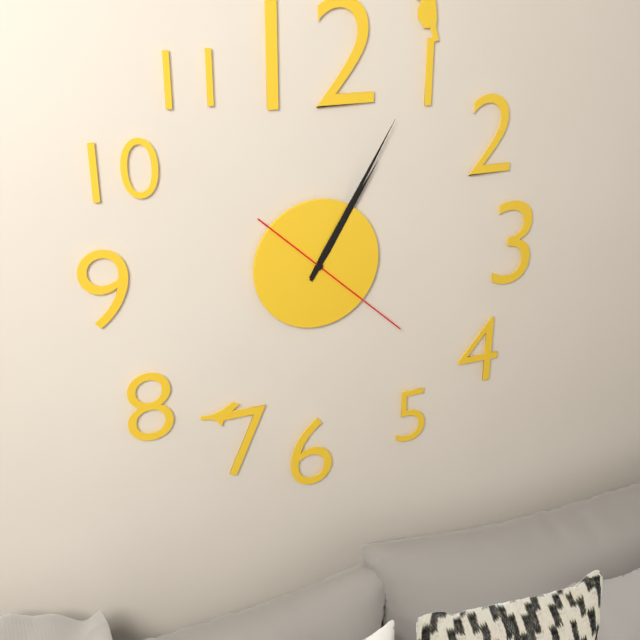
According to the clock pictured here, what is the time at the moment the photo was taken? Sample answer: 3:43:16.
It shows 1:05:22
